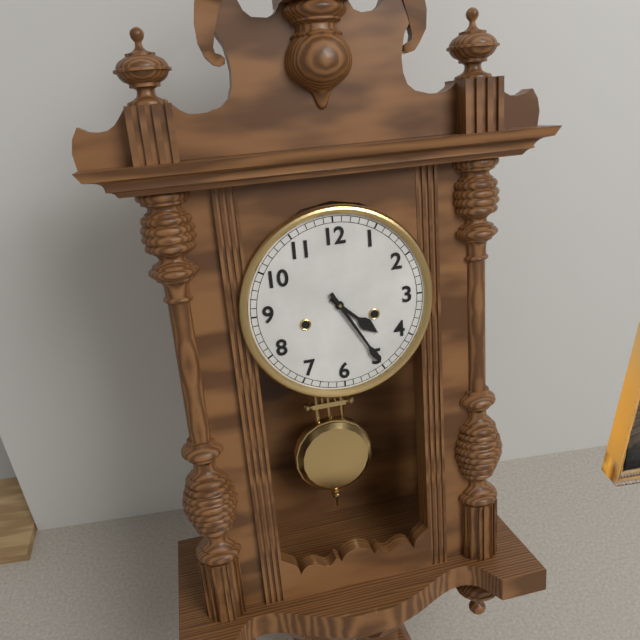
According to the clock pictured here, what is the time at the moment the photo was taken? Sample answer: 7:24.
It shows 4:25
